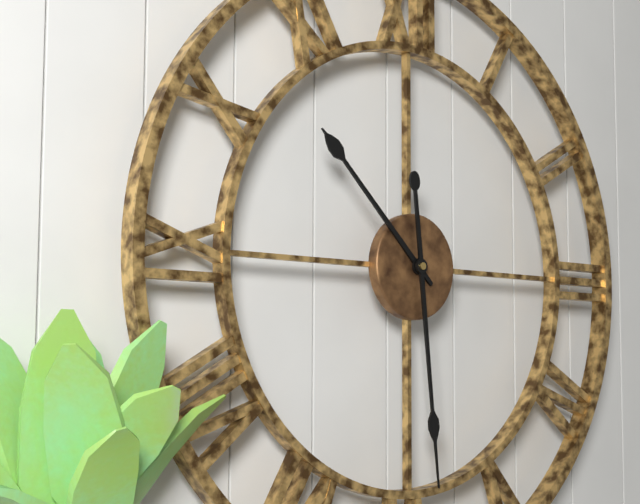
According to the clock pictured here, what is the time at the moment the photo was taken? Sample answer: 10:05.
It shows 10:29
